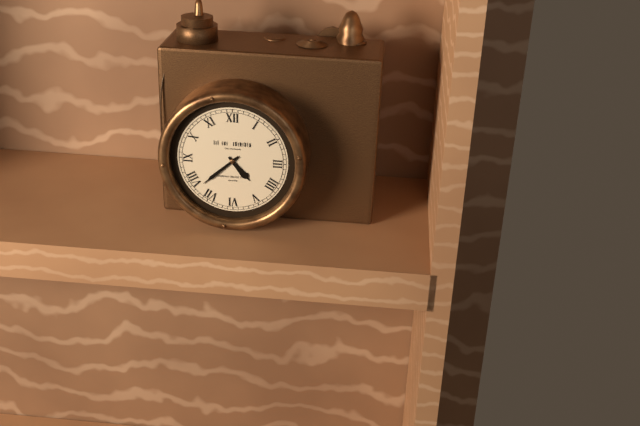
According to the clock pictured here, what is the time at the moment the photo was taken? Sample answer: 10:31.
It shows 4:38
